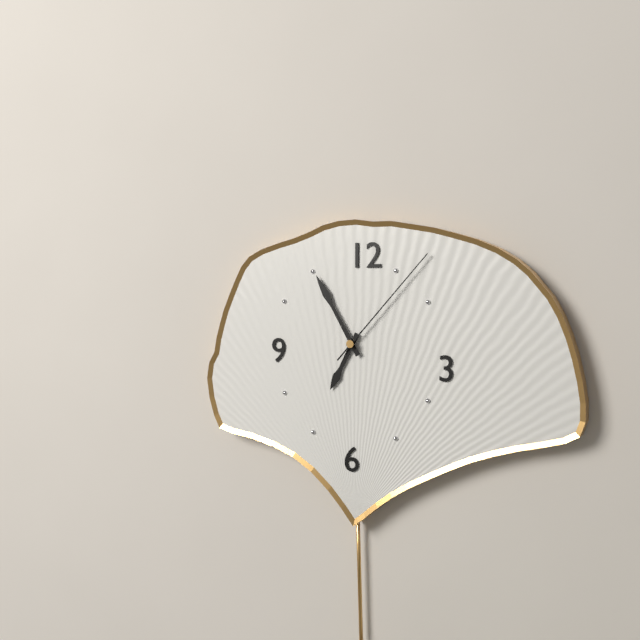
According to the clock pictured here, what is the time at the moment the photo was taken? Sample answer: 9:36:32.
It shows 6:55:07
